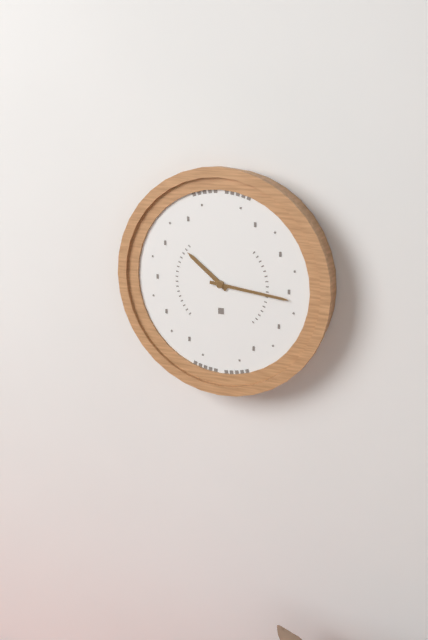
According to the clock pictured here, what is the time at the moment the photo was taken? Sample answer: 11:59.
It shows 10:16
